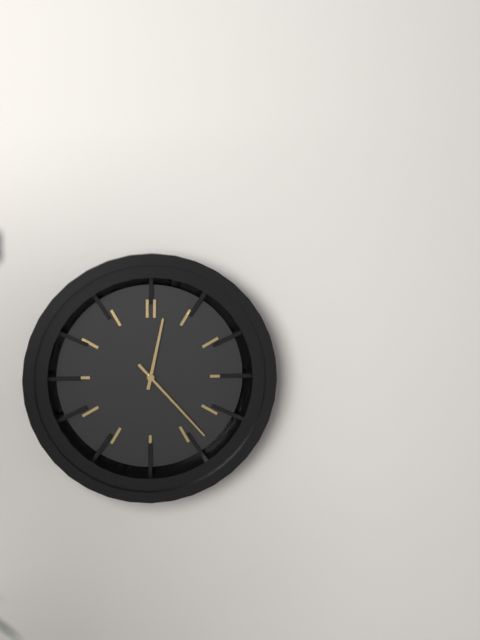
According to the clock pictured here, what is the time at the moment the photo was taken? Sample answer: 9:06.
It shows 12:23
